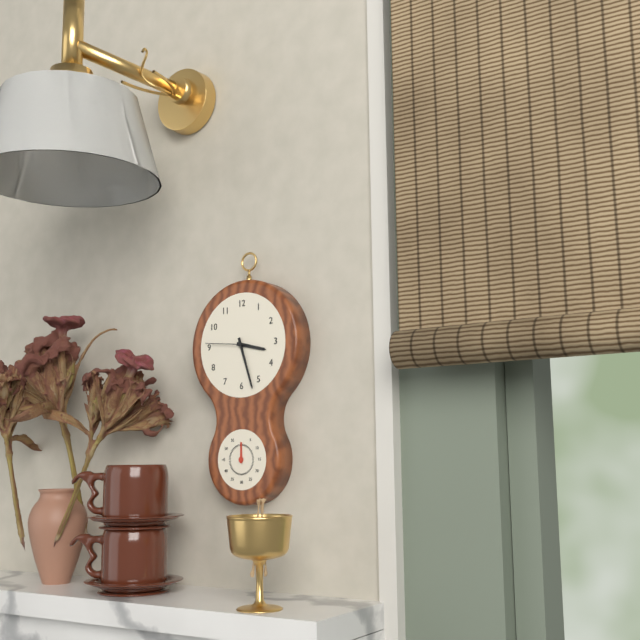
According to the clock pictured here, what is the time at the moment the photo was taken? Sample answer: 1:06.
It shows 3:27
